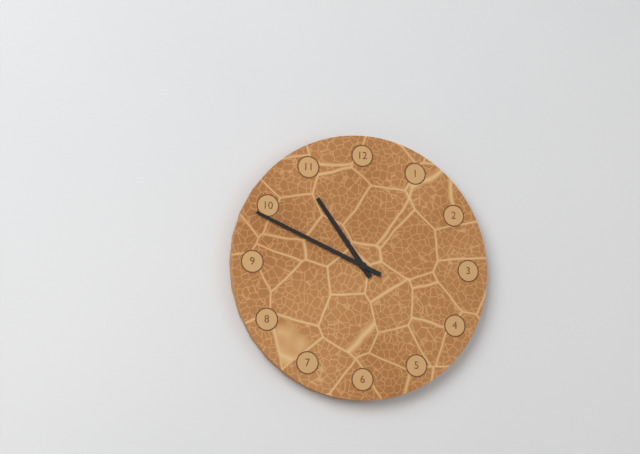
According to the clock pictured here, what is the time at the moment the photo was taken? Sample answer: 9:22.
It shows 10:49
